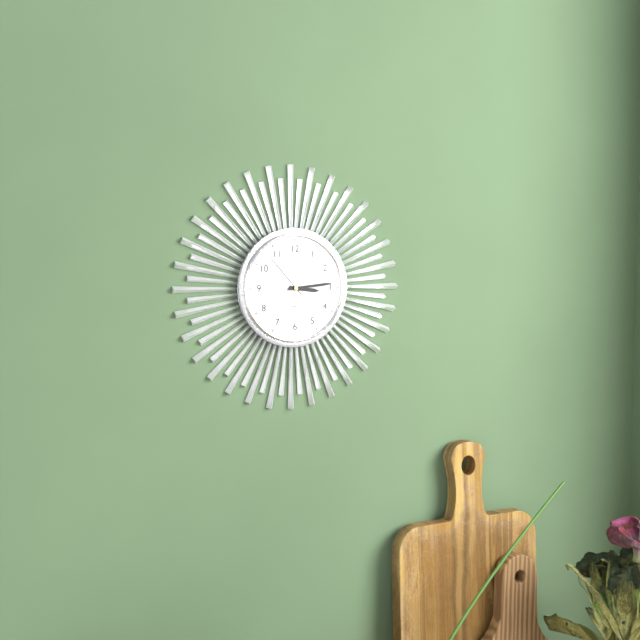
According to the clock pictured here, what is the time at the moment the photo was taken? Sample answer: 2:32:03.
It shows 3:14:53
